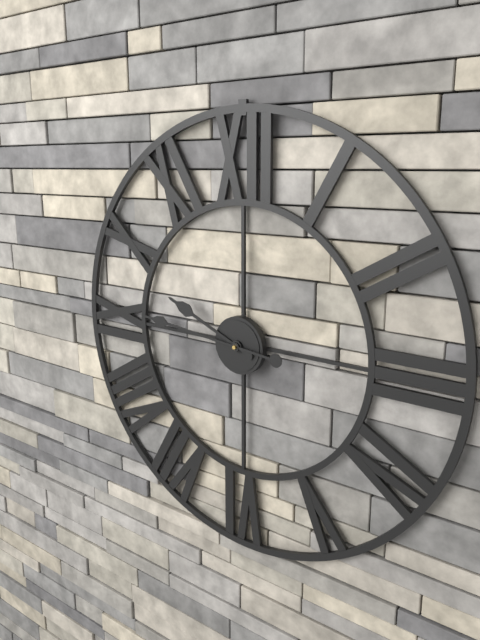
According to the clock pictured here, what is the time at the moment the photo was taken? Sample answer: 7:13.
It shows 9:46
